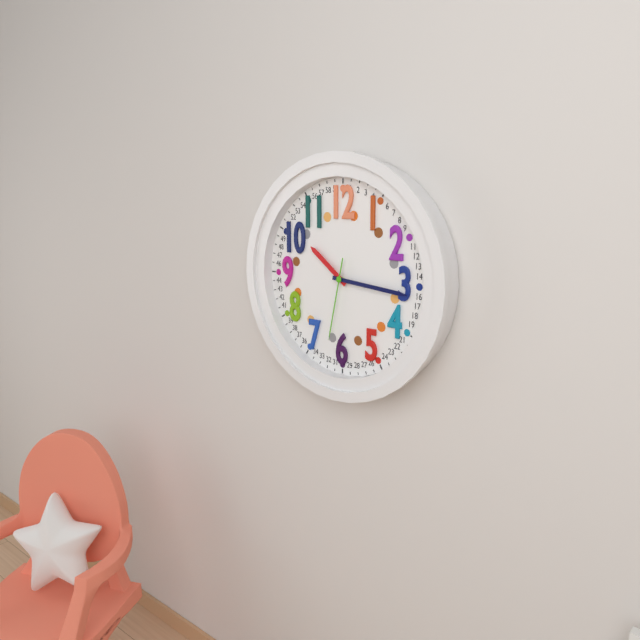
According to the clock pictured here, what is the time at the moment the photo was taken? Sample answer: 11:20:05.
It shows 10:16:32
